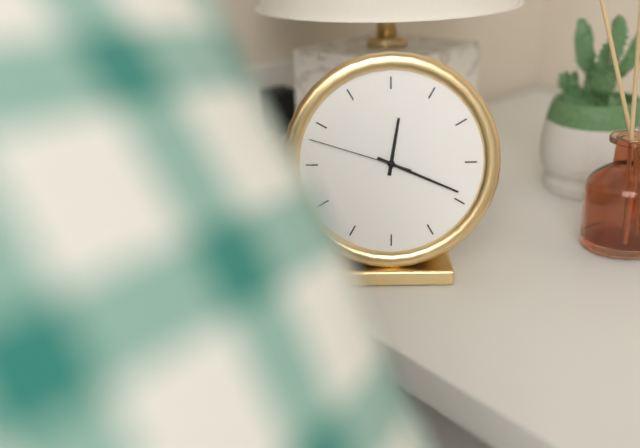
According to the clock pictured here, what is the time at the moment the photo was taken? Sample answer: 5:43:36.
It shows 12:19:48
